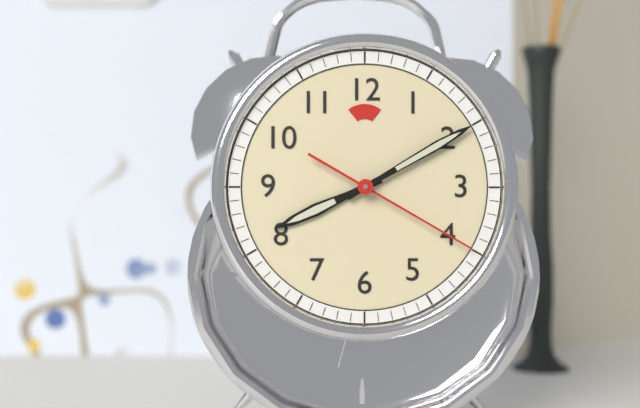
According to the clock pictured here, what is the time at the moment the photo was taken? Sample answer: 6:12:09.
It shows 8:10:20
